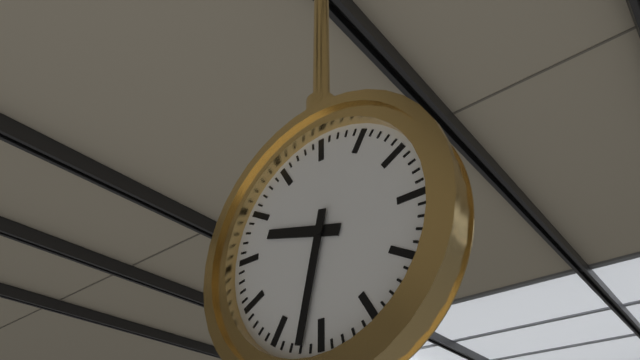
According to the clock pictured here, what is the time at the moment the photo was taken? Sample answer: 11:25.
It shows 9:32
